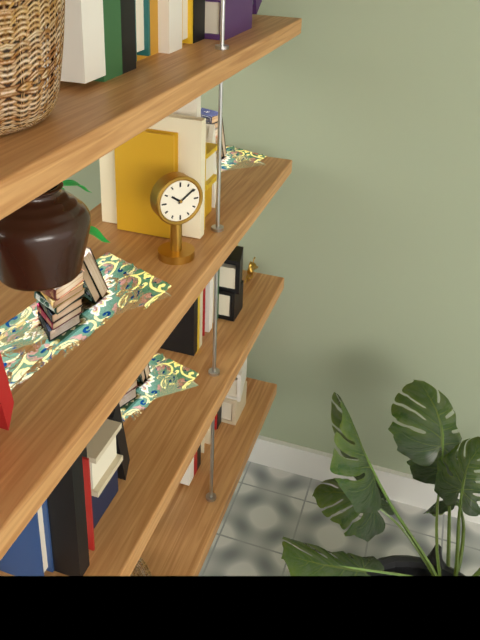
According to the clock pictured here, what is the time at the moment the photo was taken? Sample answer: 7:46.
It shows 10:09
